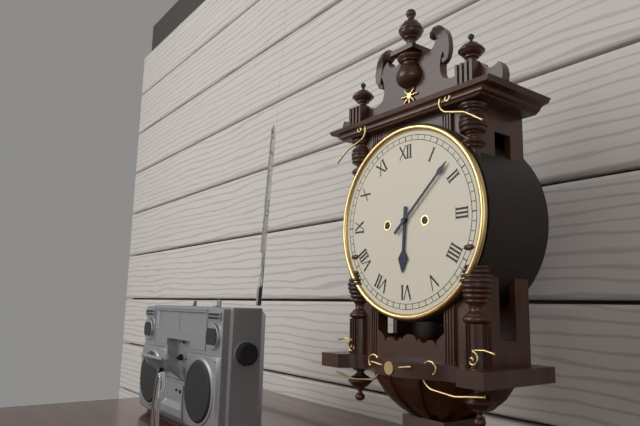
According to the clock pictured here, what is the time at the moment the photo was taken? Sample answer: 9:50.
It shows 6:08
